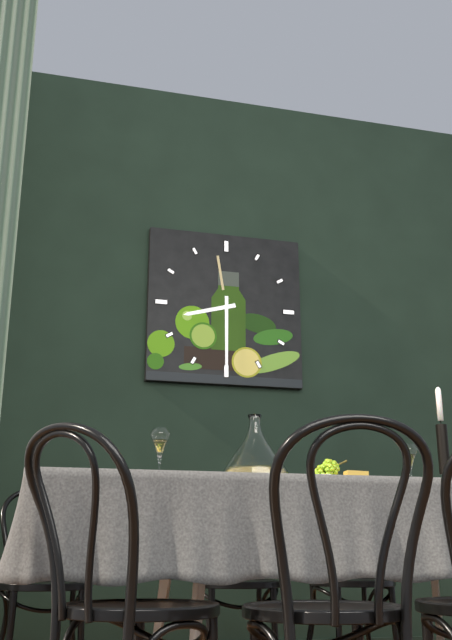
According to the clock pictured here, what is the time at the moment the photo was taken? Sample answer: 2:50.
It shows 8:30
